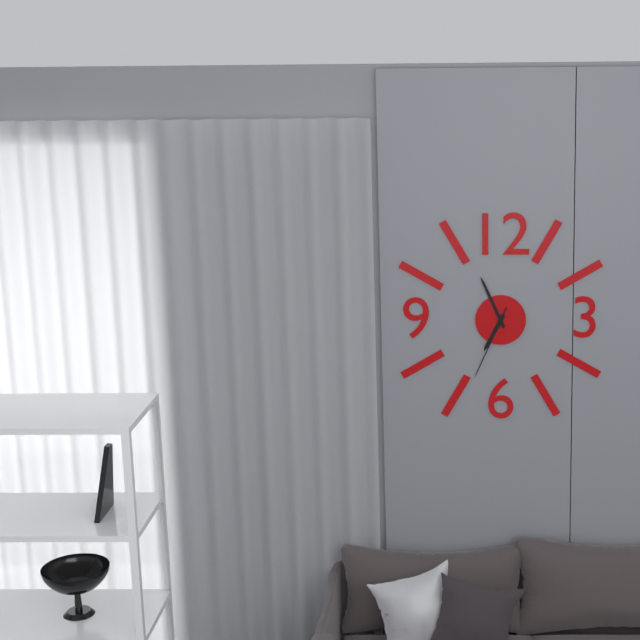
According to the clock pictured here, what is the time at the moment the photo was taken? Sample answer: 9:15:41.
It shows 6:56:34
